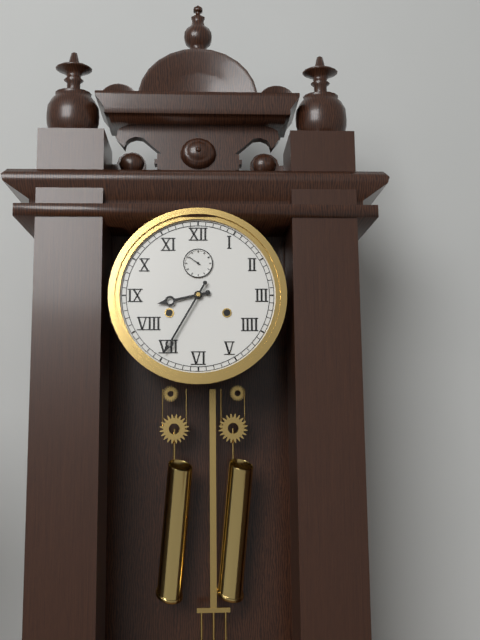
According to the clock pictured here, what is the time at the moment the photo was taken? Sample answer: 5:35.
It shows 8:35
